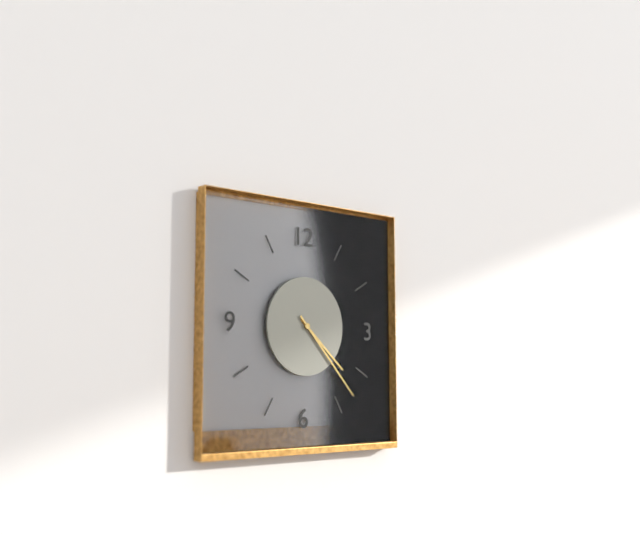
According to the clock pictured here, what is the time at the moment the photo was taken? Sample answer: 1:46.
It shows 4:23
